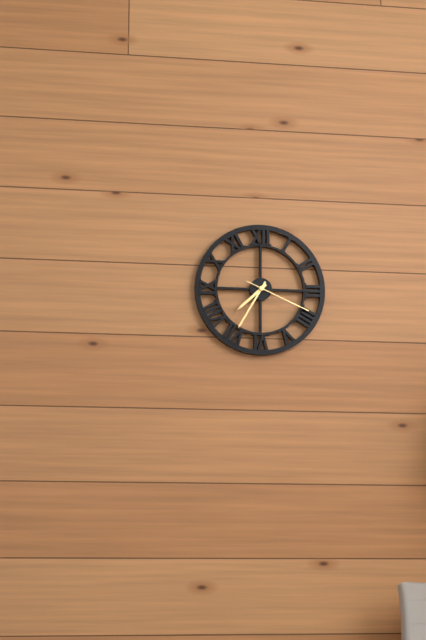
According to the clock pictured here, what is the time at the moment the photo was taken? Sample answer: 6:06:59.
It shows 7:35:19
